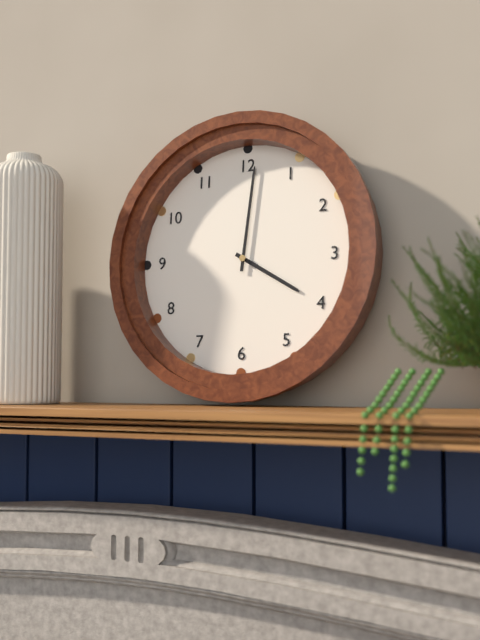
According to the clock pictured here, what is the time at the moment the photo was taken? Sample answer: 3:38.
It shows 4:01
